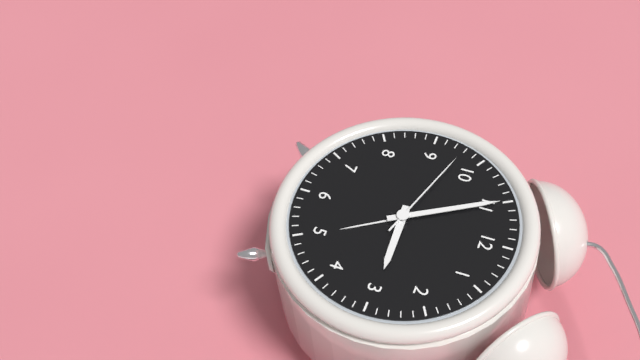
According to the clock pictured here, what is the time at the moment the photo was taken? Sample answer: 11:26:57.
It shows 2:55:48
